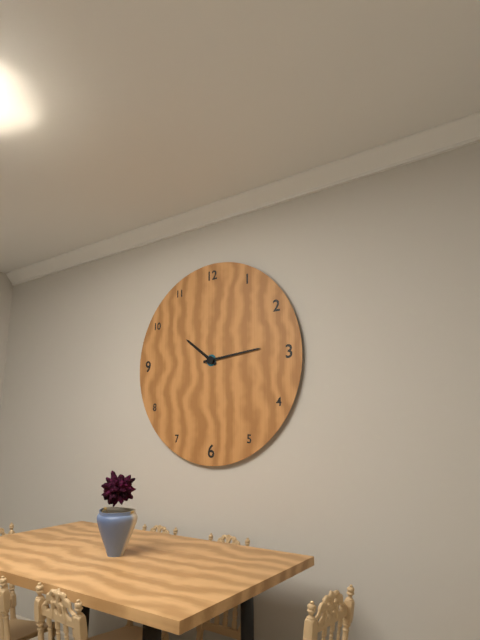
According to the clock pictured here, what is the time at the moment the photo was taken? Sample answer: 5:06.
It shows 10:14
